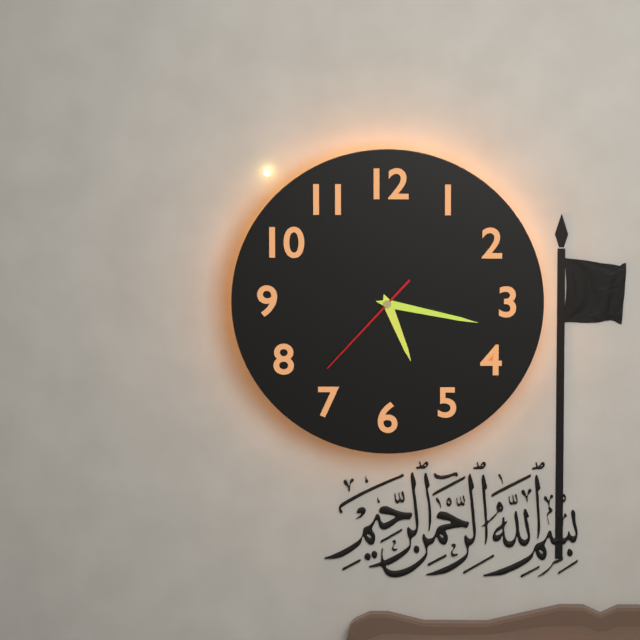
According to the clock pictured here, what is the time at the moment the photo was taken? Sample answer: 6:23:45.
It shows 5:17:37
